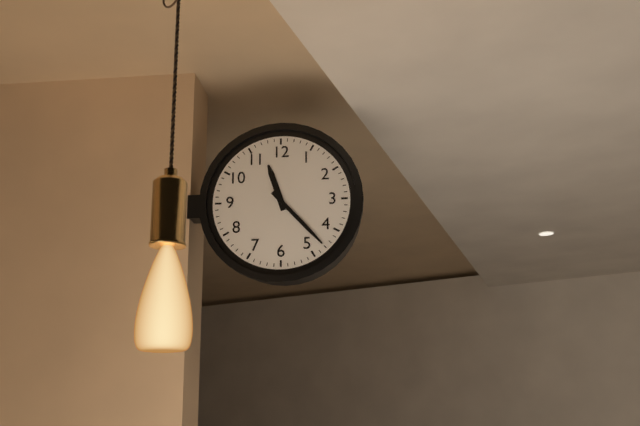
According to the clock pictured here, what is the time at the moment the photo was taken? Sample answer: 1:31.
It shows 11:23
